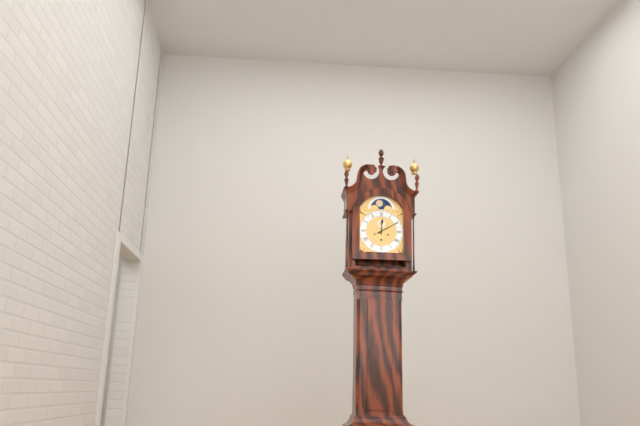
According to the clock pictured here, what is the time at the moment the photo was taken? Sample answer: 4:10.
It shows 12:10
